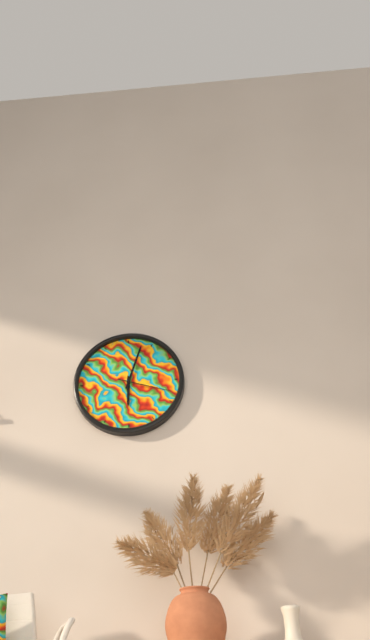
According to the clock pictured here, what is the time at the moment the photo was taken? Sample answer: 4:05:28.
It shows 6:03:18
